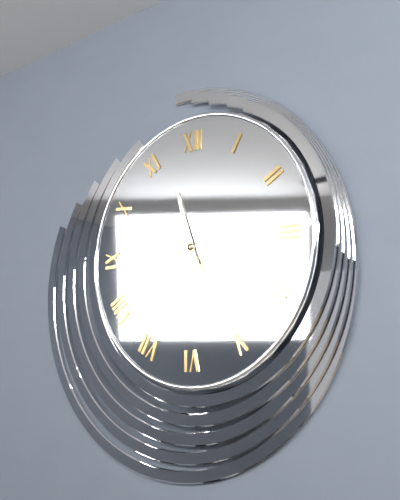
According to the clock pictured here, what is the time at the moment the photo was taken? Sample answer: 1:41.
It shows 11:26
